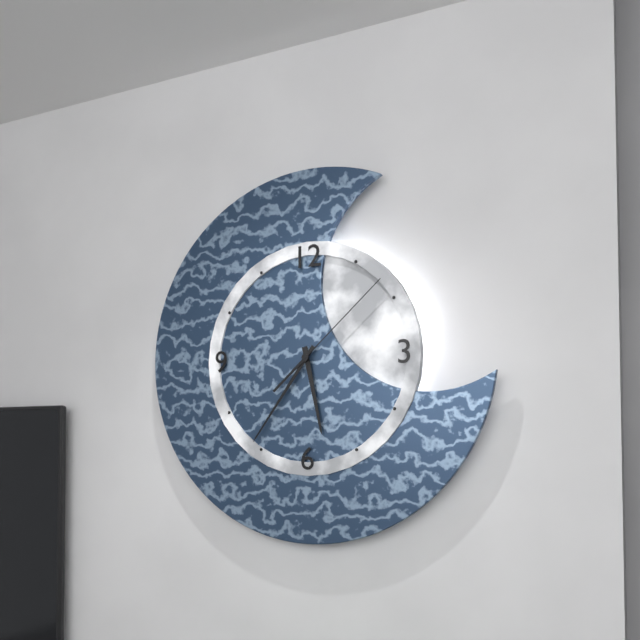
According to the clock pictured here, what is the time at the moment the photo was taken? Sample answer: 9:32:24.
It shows 5:36:08
